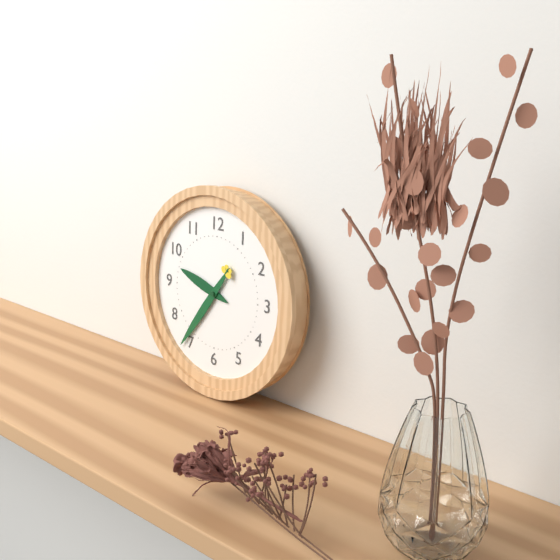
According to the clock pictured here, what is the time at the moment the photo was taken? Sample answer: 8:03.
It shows 9:36
